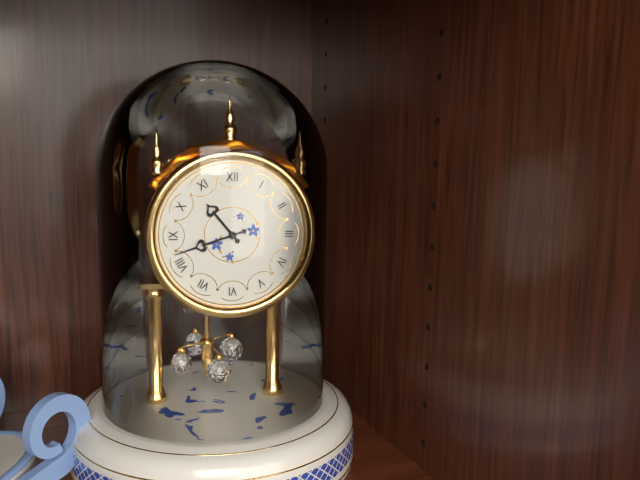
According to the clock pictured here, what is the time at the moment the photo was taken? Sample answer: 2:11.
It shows 10:42
